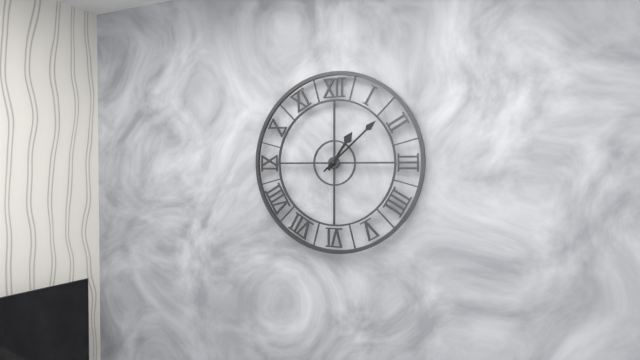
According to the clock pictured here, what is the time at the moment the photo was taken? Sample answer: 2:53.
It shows 1:08
